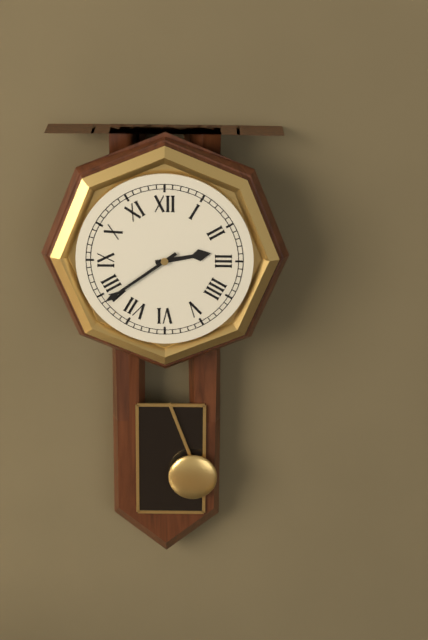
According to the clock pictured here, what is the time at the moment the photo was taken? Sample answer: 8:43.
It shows 2:39
